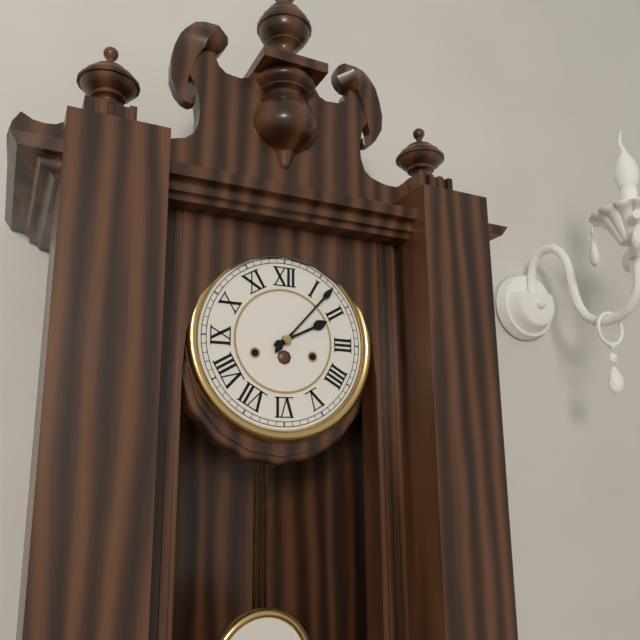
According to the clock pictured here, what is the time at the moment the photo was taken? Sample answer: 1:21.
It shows 2:07
